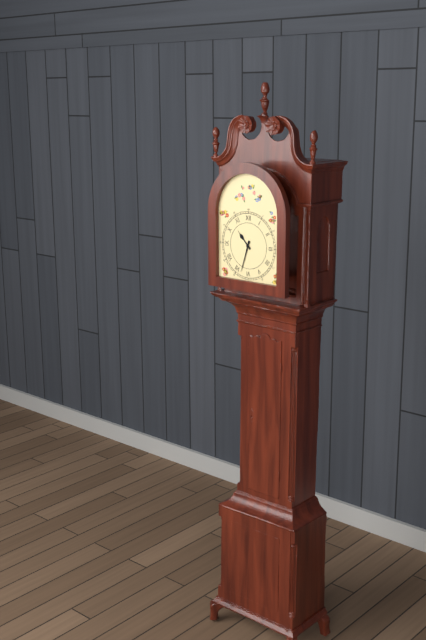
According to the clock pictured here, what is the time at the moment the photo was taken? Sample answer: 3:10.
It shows 10:33
